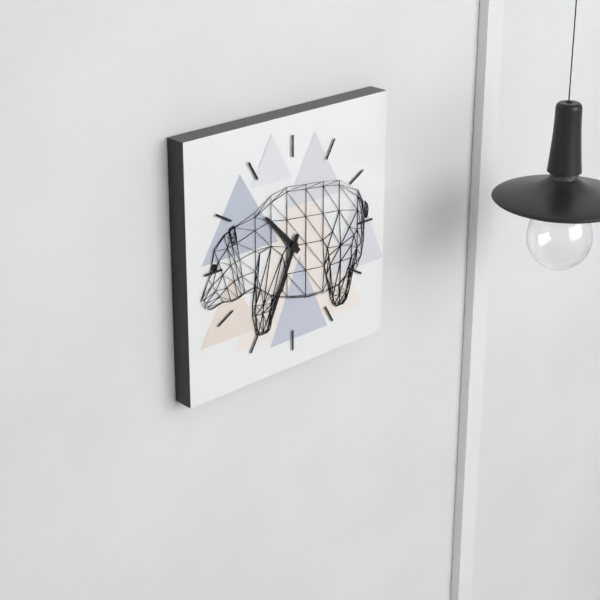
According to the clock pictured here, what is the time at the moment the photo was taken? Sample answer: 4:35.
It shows 10:34
